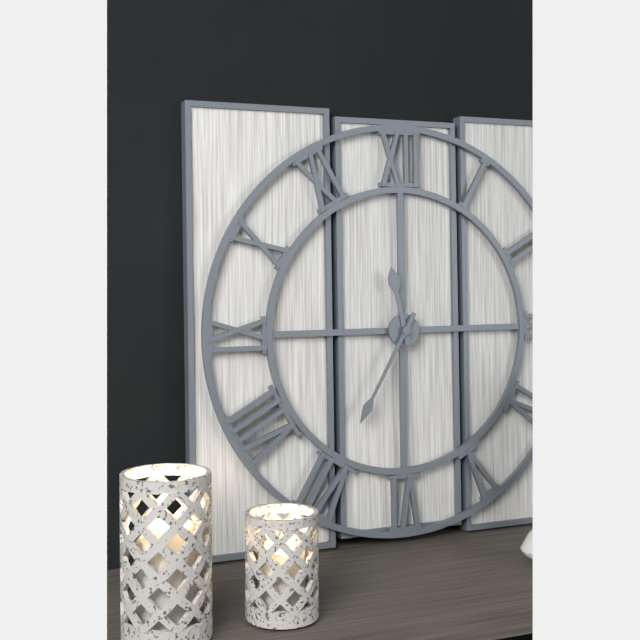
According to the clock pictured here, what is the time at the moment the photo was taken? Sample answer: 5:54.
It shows 11:35
